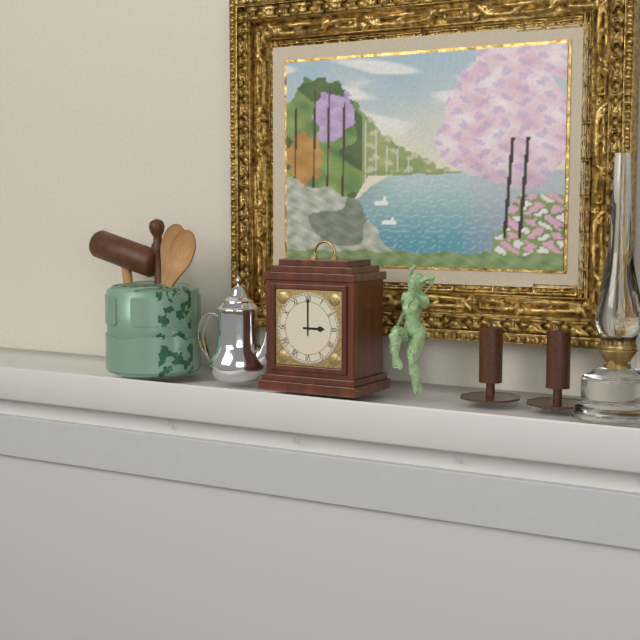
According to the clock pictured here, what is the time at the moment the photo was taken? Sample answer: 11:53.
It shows 3:00
